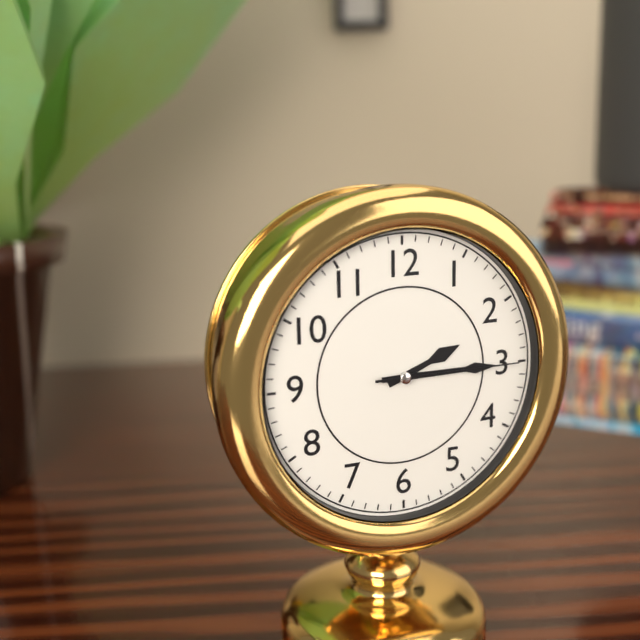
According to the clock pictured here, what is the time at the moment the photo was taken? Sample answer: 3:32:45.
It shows 2:15:15
